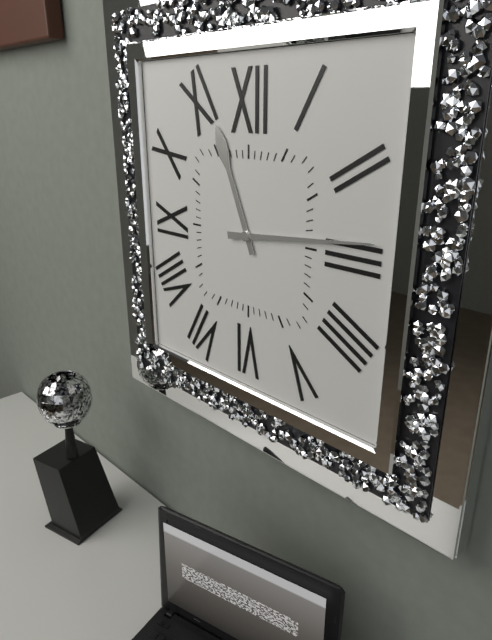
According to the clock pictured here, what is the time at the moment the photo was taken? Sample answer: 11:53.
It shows 11:14
